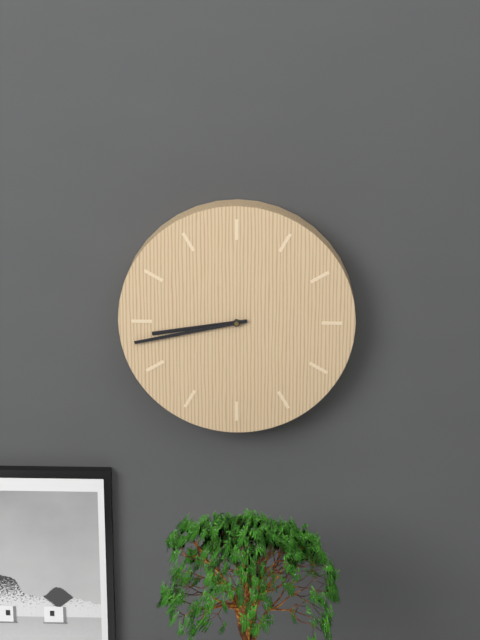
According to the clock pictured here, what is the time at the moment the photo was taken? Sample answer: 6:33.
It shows 8:43
